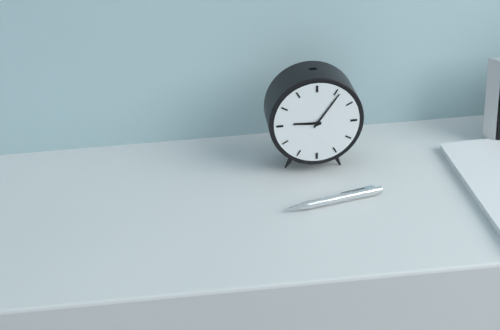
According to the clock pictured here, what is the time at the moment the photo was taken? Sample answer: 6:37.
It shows 9:06
